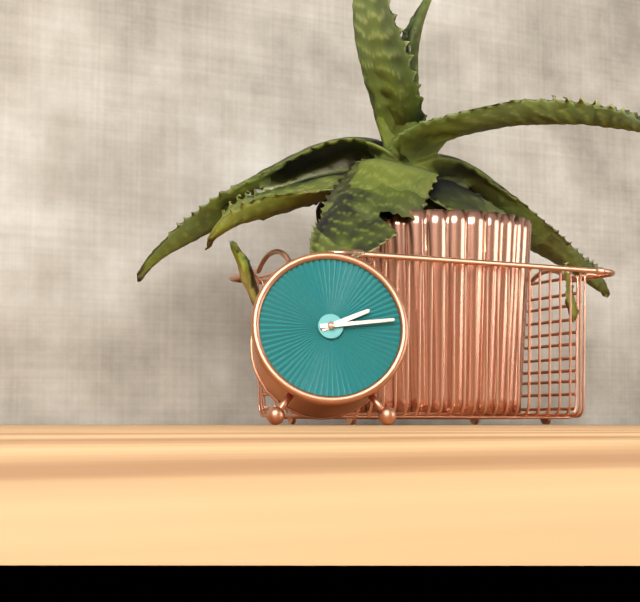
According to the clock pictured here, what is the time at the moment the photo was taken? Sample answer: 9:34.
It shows 2:14
